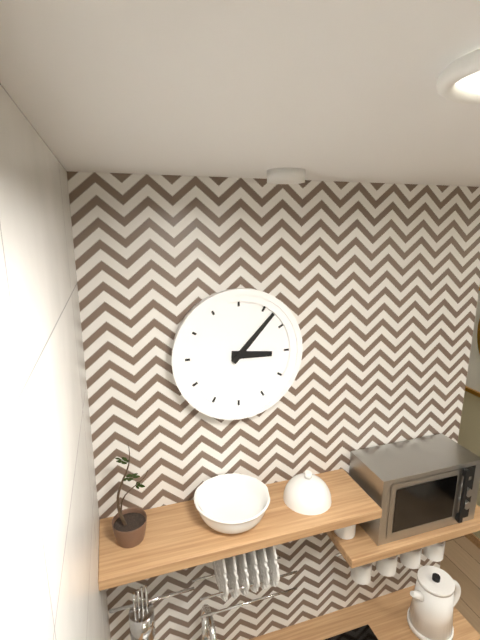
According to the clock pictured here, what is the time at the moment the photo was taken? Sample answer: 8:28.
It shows 3:07
